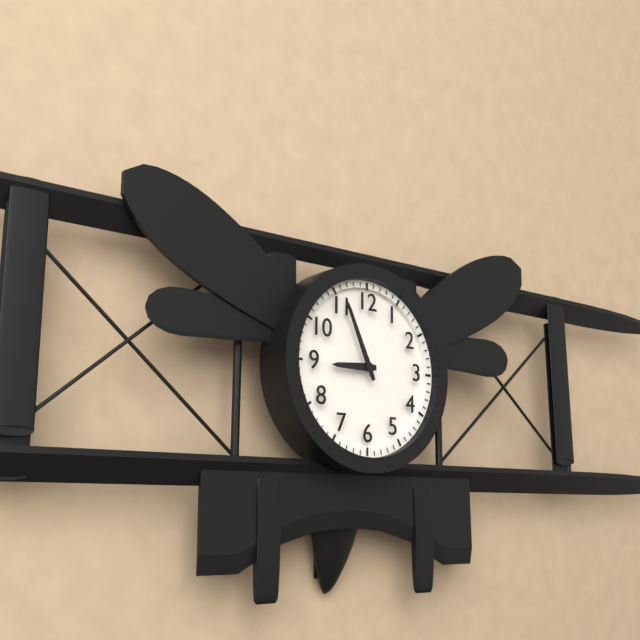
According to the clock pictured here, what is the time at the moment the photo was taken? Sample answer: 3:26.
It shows 8:56
